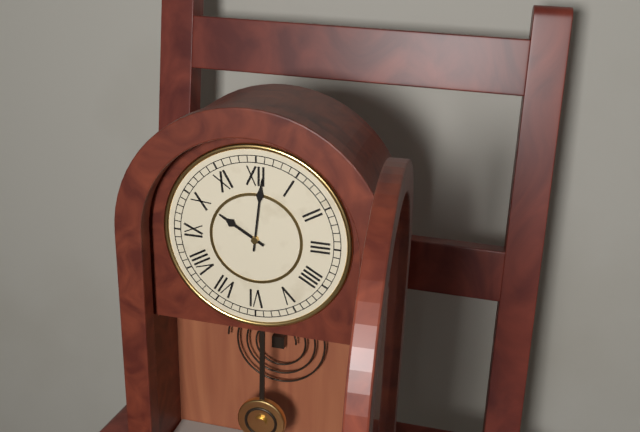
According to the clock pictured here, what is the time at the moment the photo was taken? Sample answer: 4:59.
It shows 10:01
